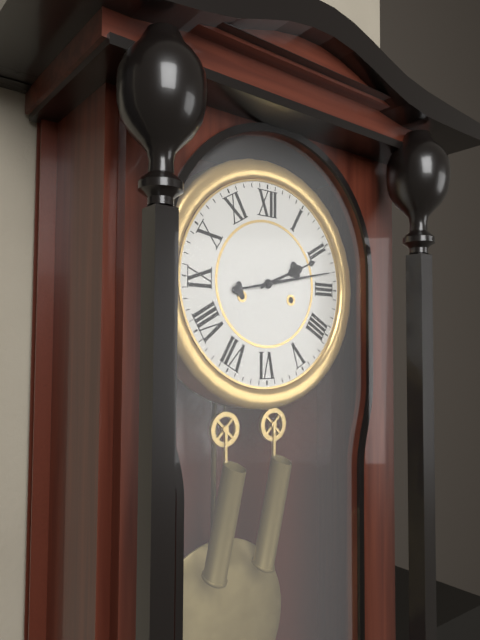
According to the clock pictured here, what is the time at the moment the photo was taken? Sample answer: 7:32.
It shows 2:13
